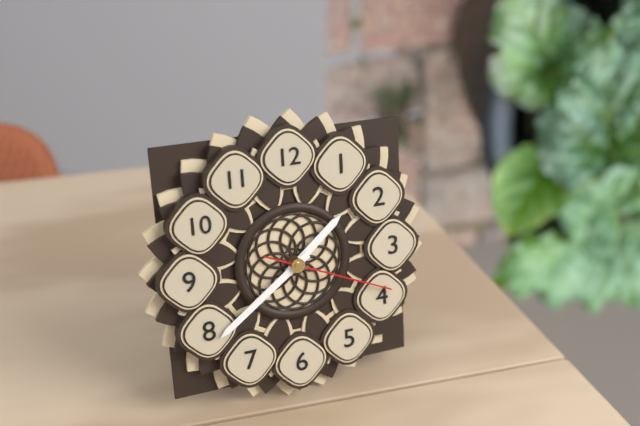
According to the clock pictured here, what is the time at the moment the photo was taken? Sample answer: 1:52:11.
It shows 1:39:19
